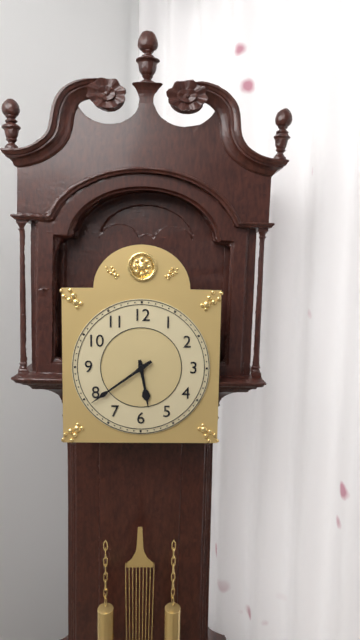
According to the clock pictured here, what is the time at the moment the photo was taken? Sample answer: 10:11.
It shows 5:39
